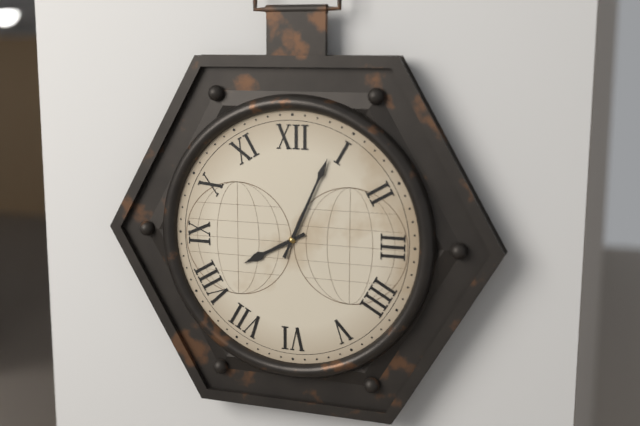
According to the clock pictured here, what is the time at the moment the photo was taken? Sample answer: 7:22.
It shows 8:04
